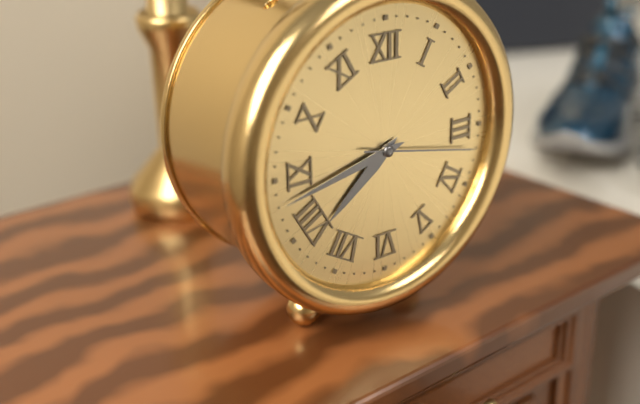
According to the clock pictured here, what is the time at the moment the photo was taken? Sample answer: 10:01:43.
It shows 7:43:17
